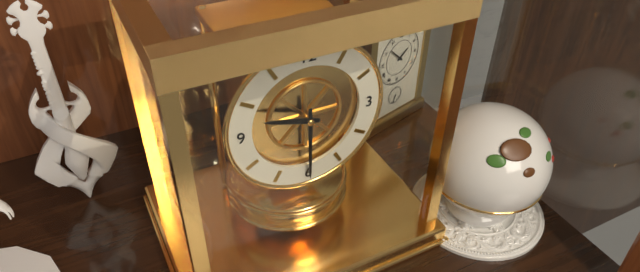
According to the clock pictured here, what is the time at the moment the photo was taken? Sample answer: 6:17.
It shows 9:30
